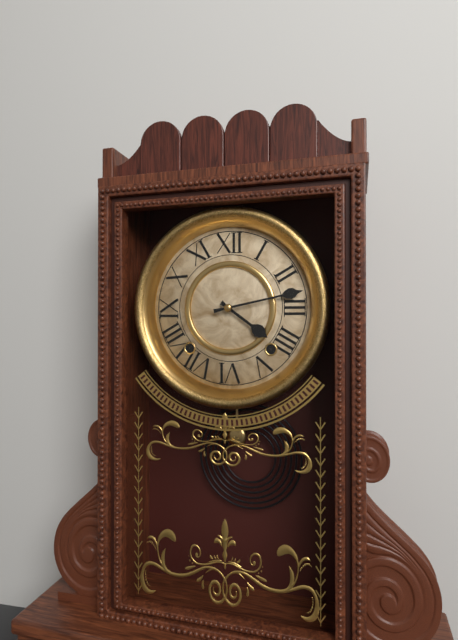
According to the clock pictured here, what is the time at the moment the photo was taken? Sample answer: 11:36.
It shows 4:13
